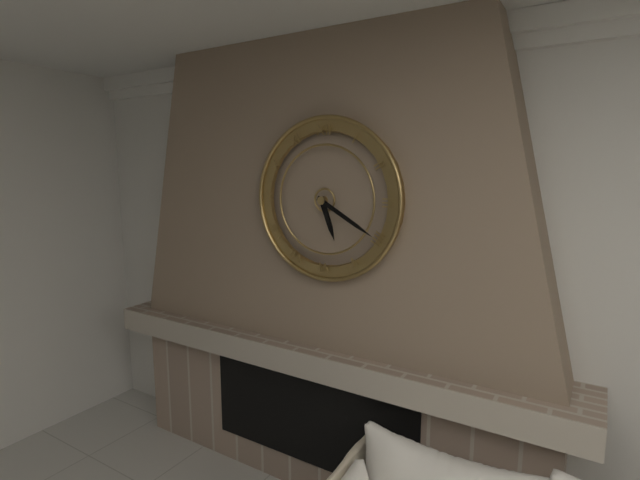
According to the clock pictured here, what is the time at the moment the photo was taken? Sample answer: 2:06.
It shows 5:20
